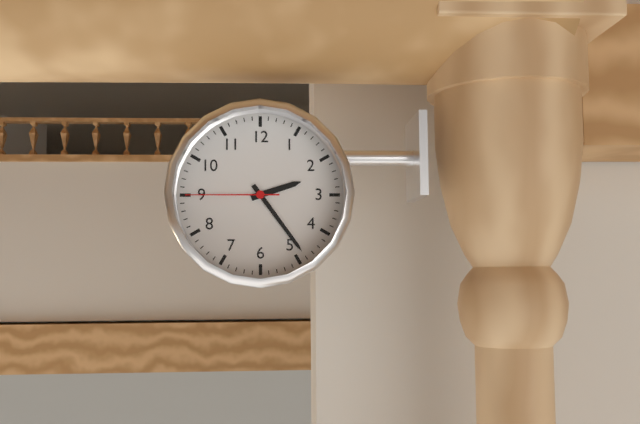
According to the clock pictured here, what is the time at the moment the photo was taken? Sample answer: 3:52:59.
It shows 2:24:45
